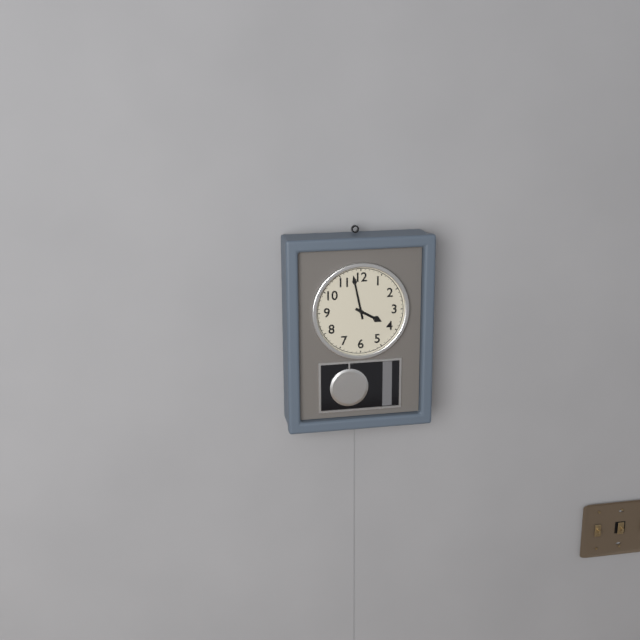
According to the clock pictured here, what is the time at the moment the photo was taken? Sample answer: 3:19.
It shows 3:58
